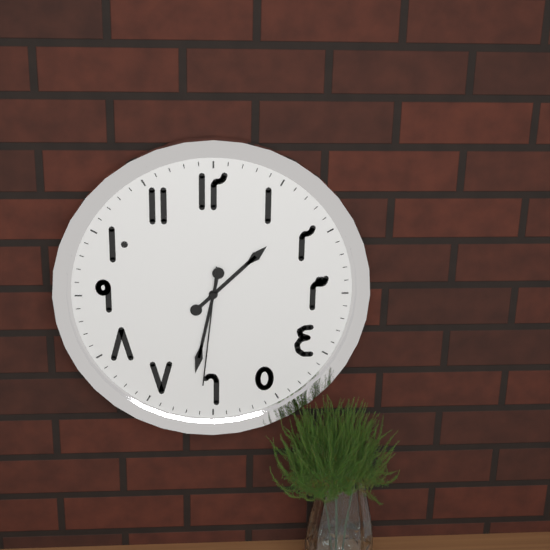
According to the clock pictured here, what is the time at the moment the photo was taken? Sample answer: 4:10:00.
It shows 1:32:31
